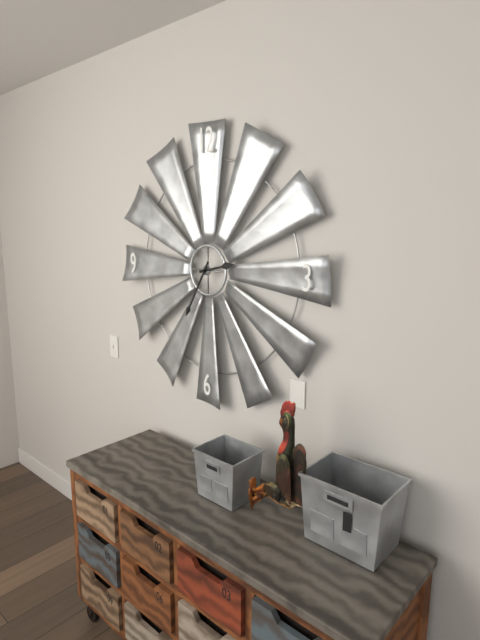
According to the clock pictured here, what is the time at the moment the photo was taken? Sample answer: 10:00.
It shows 2:35
